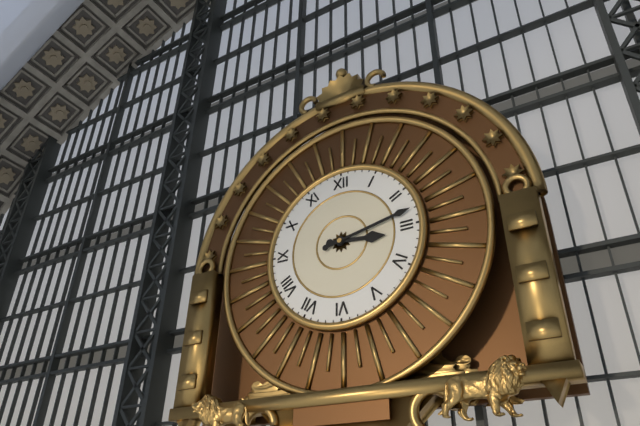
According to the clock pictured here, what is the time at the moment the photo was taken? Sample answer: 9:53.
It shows 3:13
